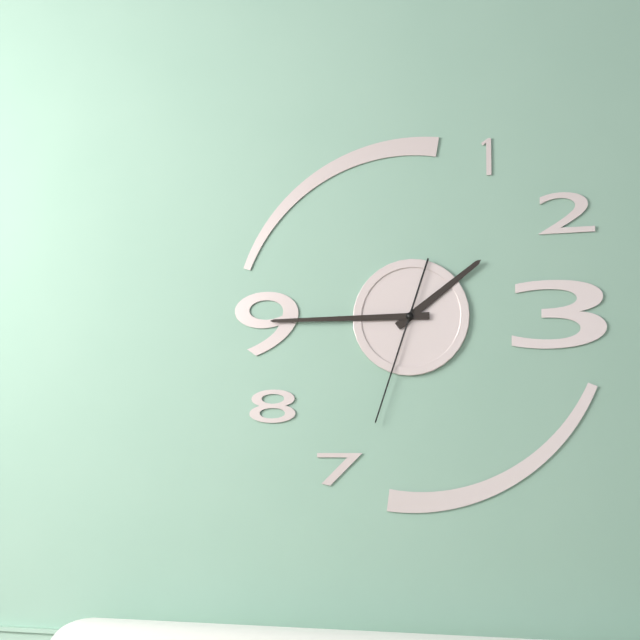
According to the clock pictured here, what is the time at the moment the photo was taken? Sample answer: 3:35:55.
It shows 1:45:33
